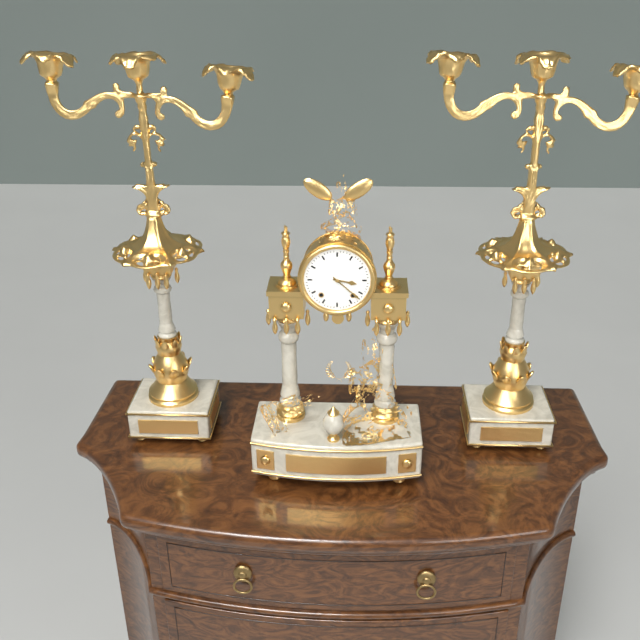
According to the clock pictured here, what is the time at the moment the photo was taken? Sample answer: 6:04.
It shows 3:22
